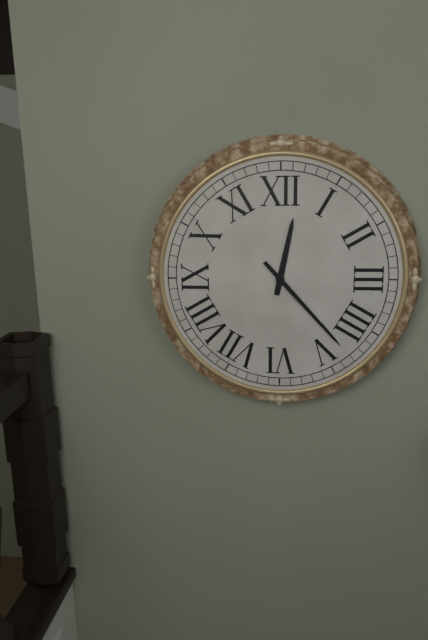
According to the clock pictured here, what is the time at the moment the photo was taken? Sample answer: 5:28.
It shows 12:23
